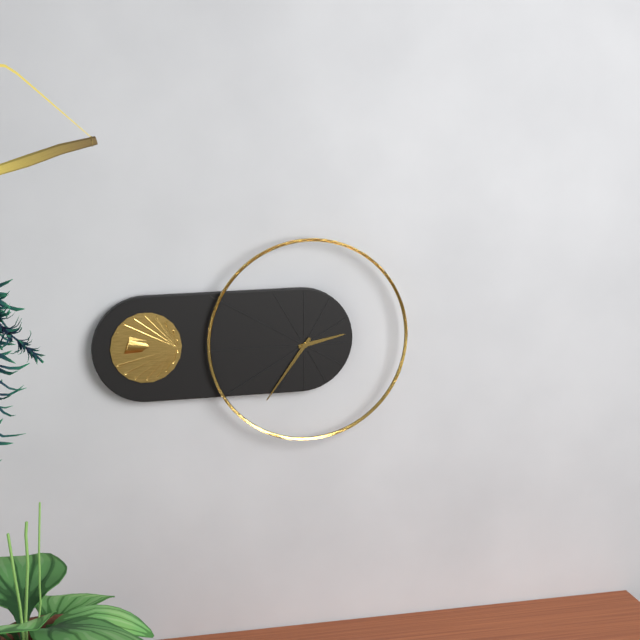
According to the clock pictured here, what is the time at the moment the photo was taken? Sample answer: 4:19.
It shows 2:36
